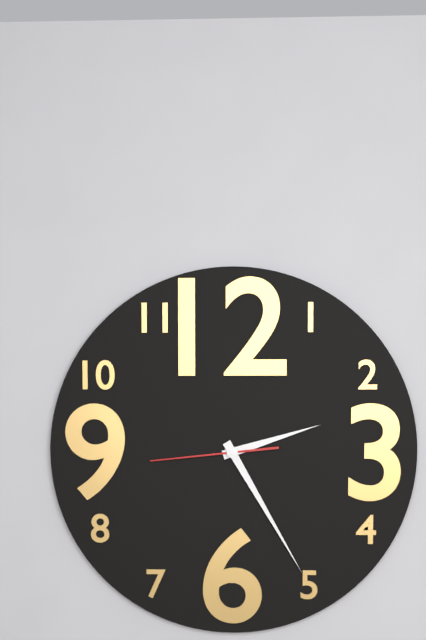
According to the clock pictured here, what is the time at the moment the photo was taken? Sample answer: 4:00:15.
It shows 2:25:44
